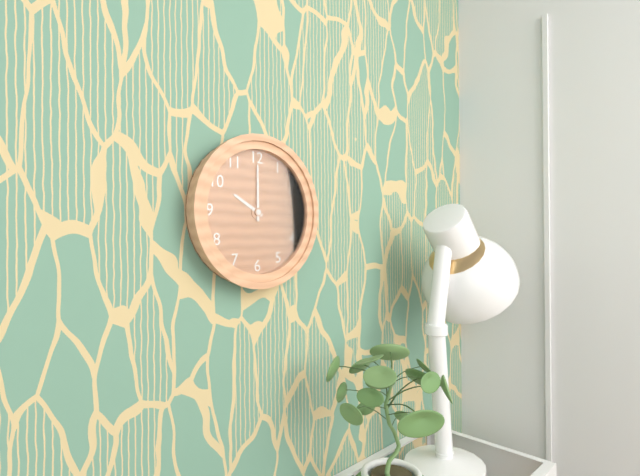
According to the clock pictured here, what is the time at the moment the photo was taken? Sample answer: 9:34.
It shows 10:00
